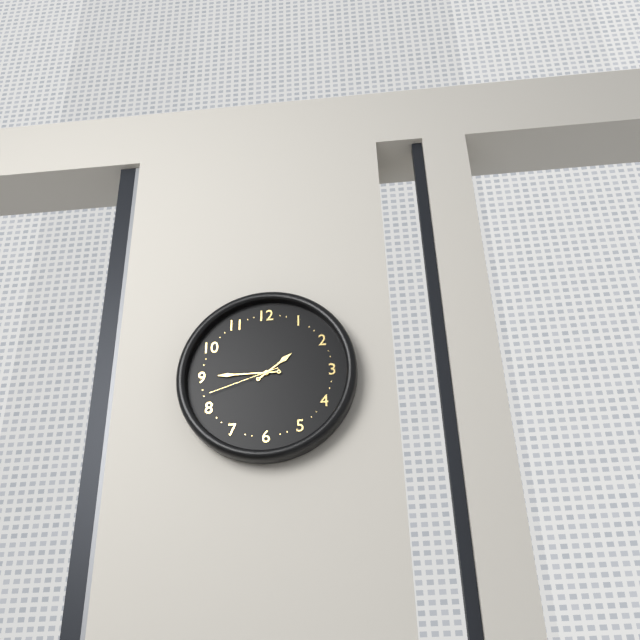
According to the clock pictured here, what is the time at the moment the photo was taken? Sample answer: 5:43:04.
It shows 1:45:42
